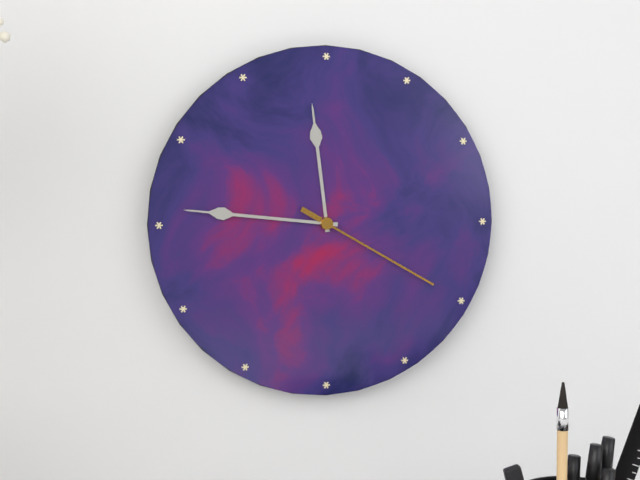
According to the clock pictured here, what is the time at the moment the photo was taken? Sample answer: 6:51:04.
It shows 11:46:20
